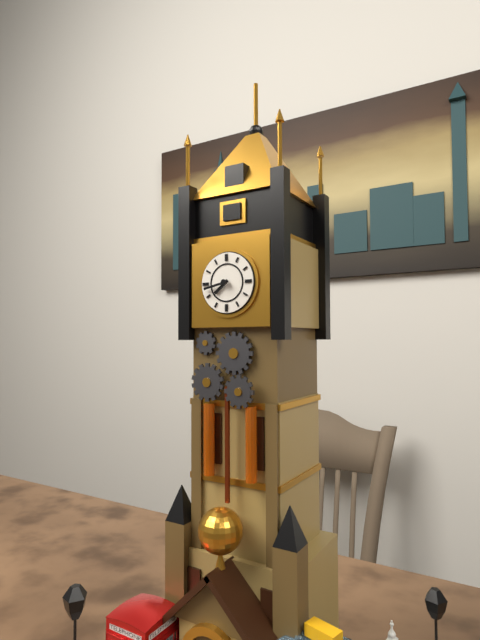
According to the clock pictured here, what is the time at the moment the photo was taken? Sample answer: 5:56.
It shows 7:43
